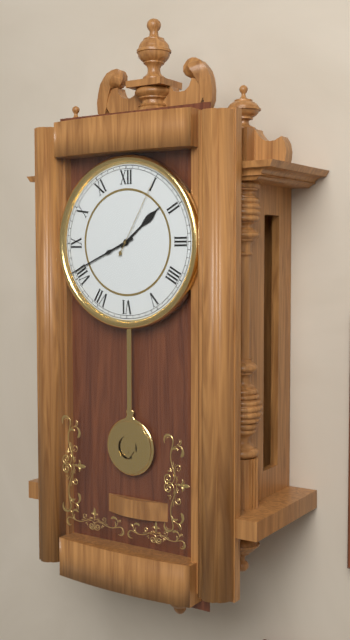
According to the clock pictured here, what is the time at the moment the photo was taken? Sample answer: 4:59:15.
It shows 1:41:05
